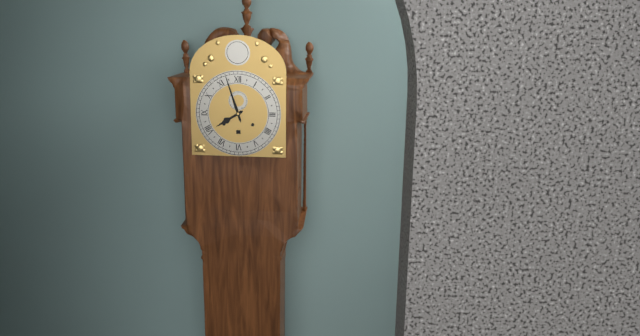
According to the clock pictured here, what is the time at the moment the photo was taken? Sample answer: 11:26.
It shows 7:57
